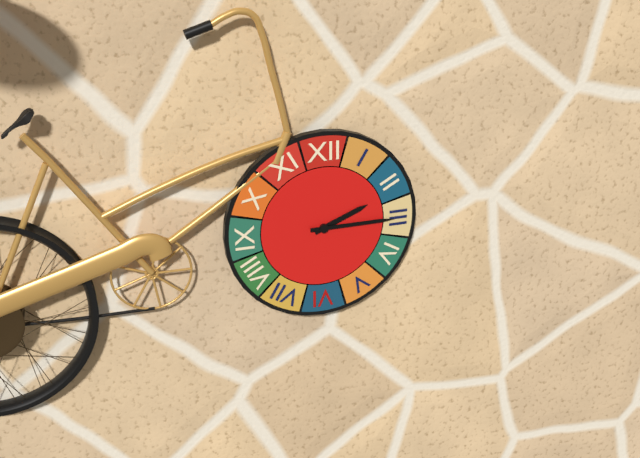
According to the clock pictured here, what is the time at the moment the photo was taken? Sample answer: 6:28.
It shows 2:15
